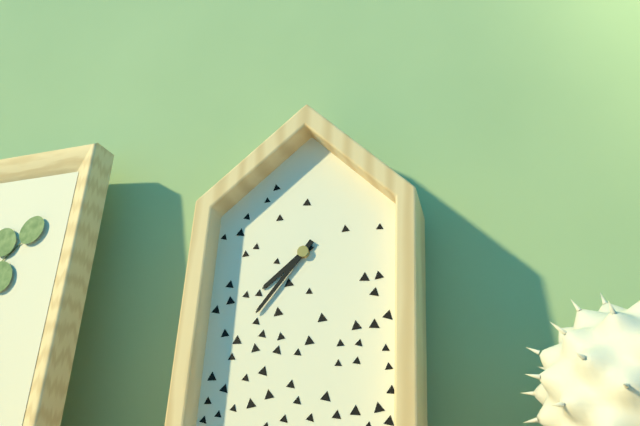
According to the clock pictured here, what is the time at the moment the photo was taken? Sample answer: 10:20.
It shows 7:36
